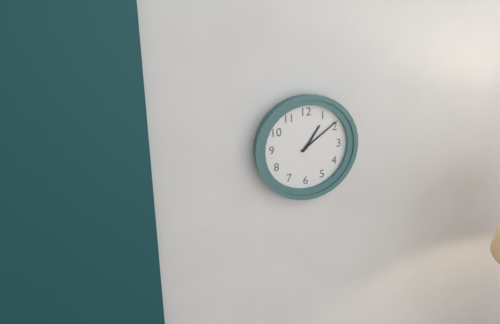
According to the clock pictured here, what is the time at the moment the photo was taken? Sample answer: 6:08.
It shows 1:09
